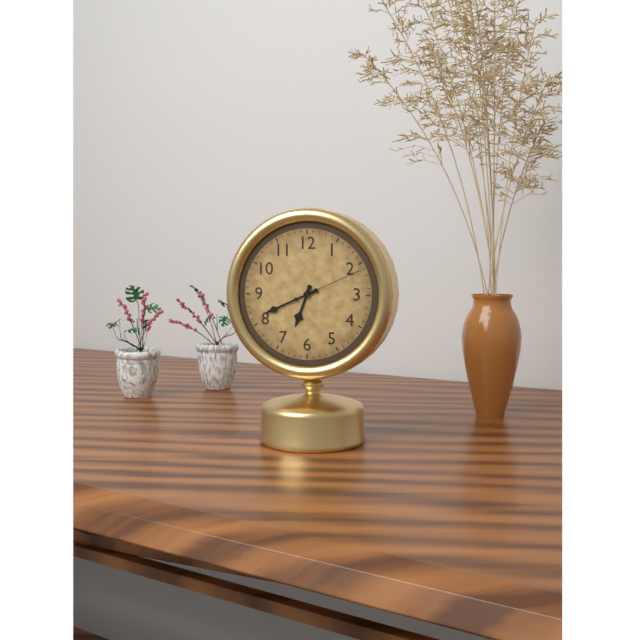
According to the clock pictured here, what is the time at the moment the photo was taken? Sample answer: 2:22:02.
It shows 6:41:11
